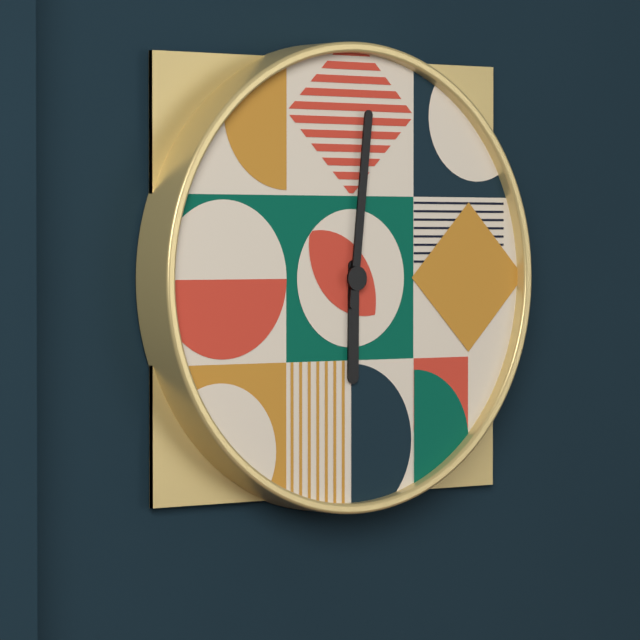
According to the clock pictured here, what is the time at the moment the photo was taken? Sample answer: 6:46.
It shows 6:01
